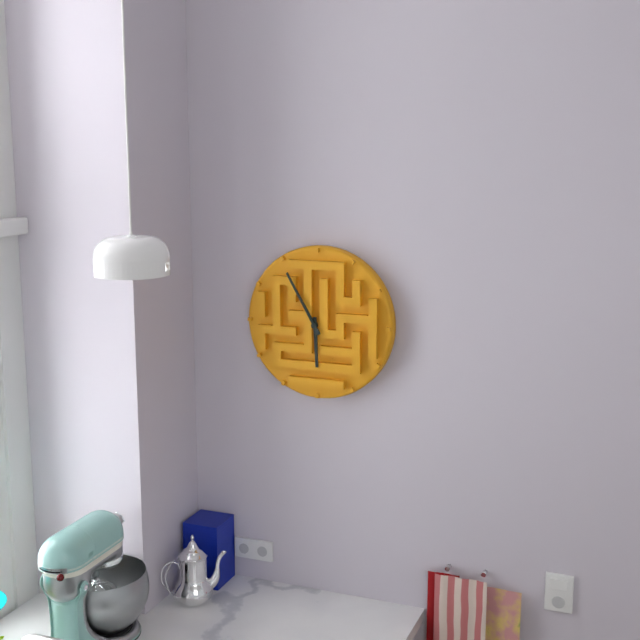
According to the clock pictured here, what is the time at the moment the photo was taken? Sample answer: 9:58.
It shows 5:55
